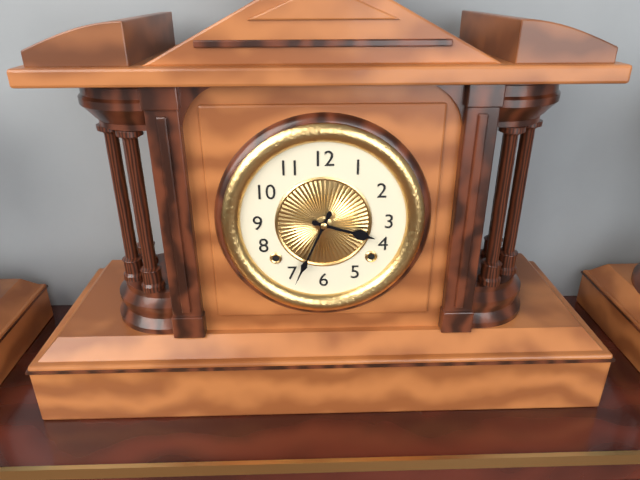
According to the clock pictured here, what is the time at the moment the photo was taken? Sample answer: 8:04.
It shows 3:34
